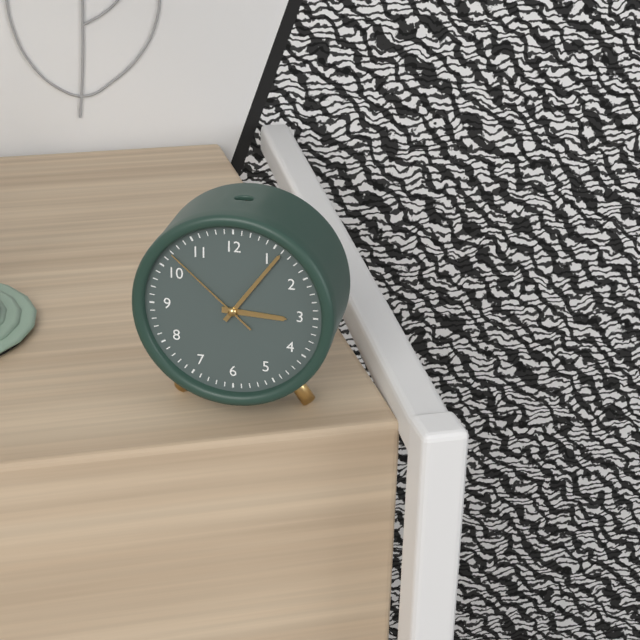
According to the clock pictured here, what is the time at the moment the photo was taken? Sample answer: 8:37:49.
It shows 3:06:52
